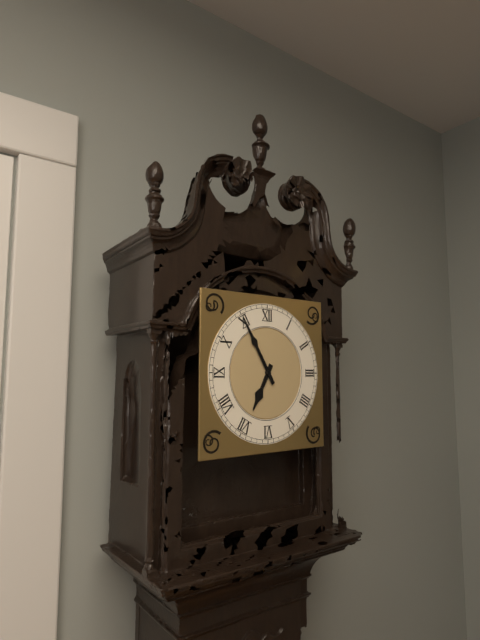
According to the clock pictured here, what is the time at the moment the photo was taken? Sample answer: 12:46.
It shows 6:55
